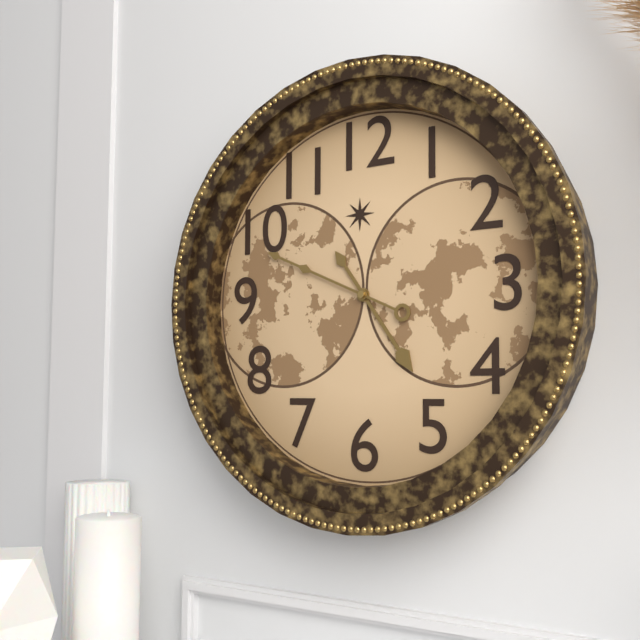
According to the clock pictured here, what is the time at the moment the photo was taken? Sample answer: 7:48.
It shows 4:49
